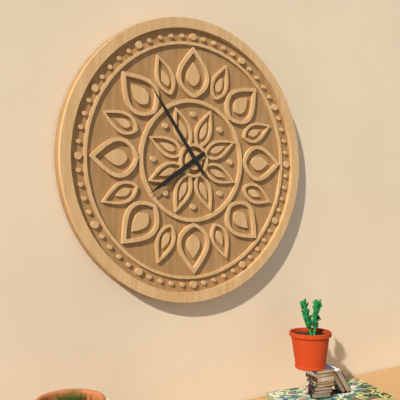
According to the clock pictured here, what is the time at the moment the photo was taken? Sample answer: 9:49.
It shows 7:54
